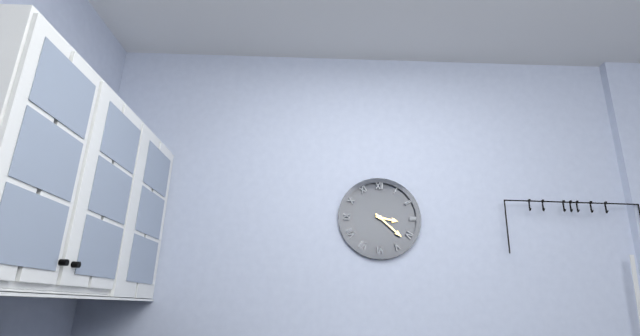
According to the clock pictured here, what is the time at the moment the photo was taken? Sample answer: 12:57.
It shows 3:22
